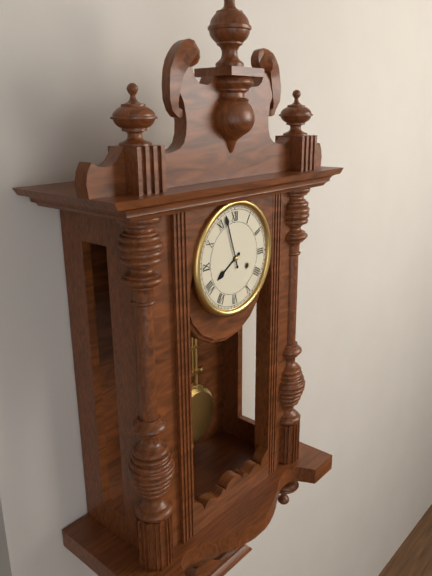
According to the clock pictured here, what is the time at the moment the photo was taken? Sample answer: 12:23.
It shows 7:57
